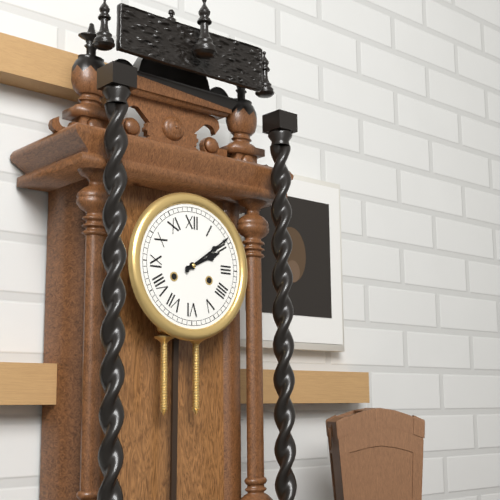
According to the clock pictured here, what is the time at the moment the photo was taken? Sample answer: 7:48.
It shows 2:09
